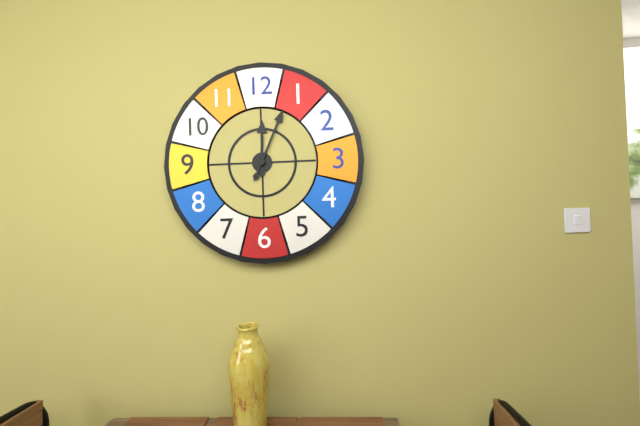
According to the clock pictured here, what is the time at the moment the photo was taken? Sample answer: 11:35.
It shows 12:04
